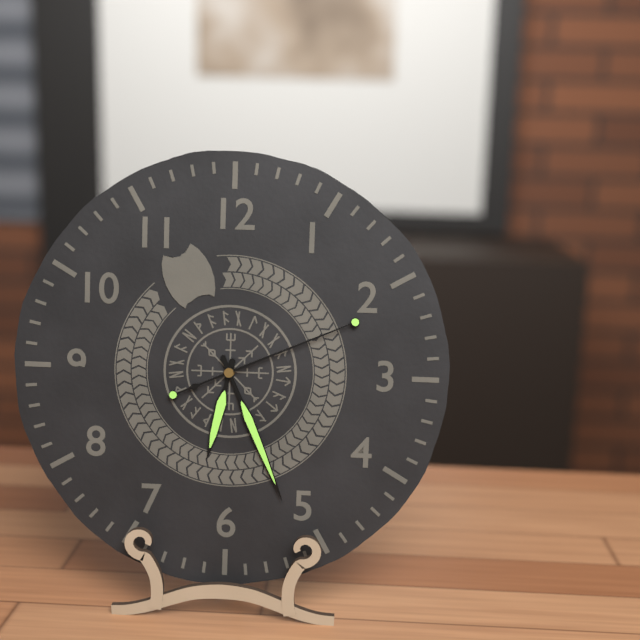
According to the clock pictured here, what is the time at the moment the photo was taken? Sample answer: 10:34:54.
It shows 6:26:11
